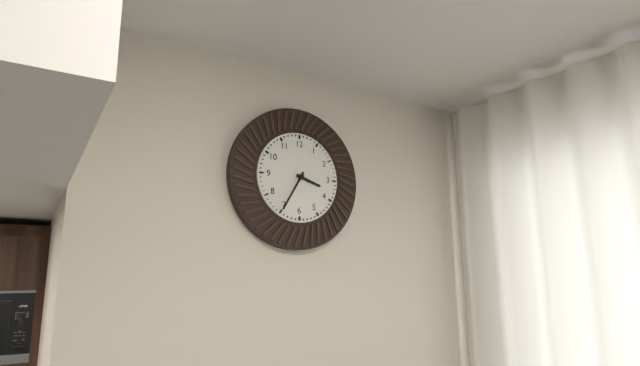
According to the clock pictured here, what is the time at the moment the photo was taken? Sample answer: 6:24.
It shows 3:35
